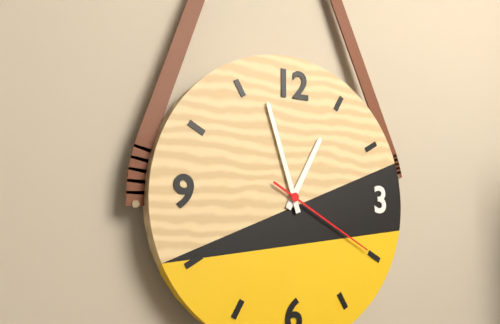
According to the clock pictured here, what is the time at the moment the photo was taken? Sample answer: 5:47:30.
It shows 12:57:20
